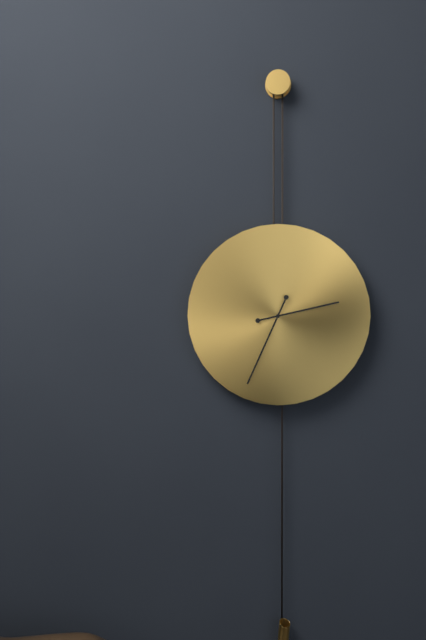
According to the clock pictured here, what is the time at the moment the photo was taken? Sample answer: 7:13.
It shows 2:34
